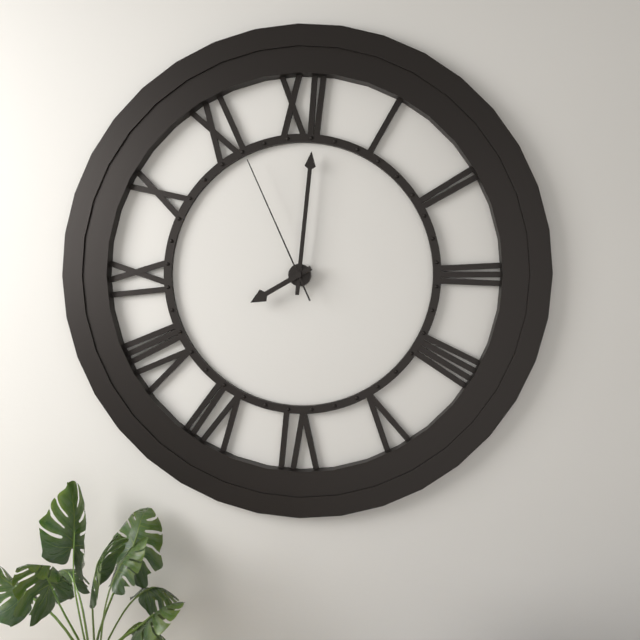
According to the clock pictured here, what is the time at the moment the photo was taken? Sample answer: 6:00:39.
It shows 8:01:56
